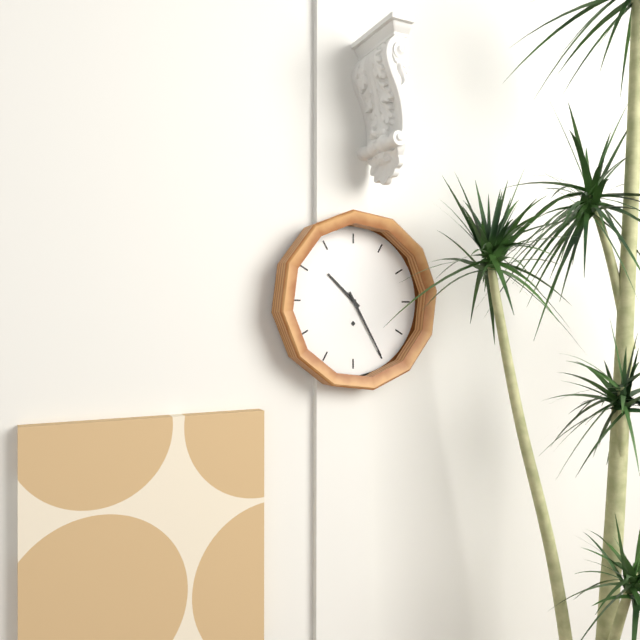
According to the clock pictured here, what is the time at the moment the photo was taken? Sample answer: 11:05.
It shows 10:25
